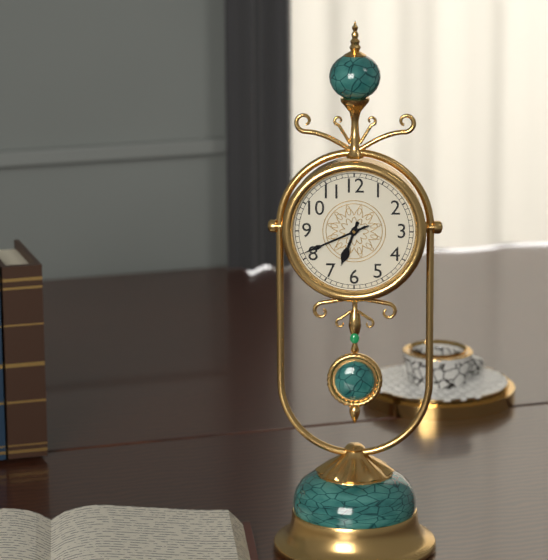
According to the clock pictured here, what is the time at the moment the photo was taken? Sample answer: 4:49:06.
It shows 6:41:41
